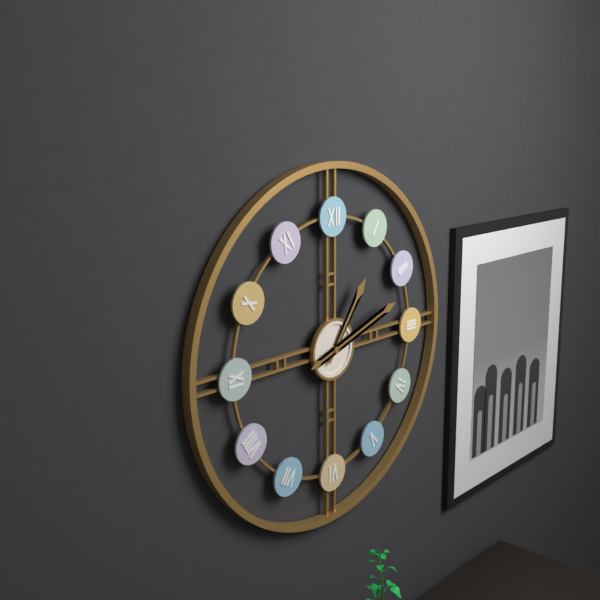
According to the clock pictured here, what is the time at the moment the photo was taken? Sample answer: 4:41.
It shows 1:12
